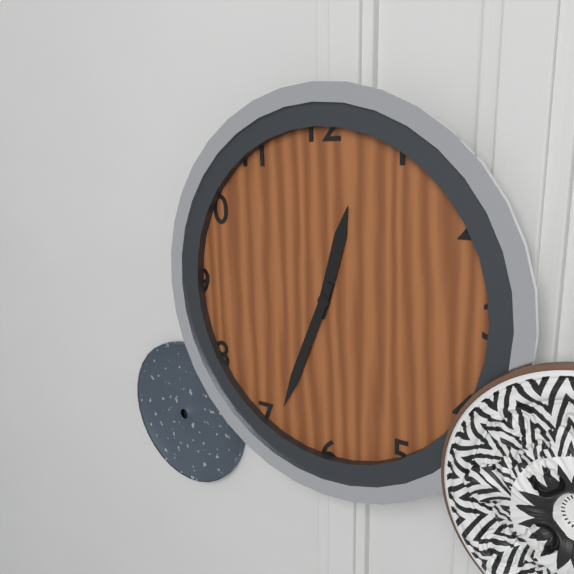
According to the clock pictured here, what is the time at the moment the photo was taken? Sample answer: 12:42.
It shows 12:34
